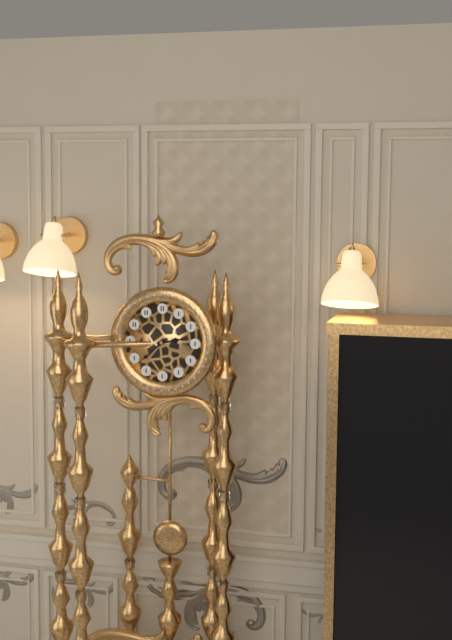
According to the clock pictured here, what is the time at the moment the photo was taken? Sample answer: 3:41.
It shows 2:38
